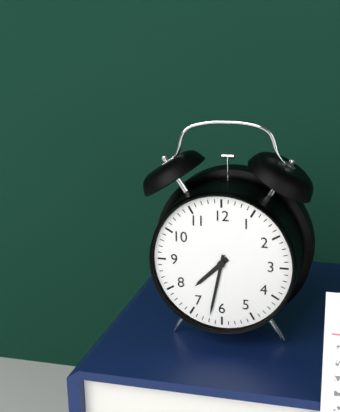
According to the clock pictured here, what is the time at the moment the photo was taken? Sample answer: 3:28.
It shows 7:32
